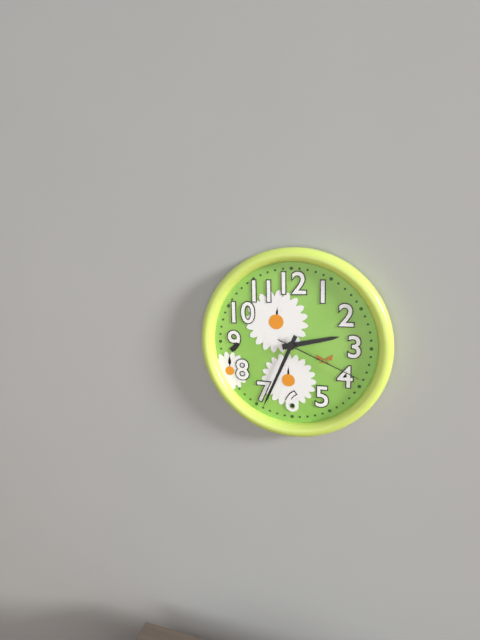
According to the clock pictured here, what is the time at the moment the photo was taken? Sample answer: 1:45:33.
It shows 2:34:19
